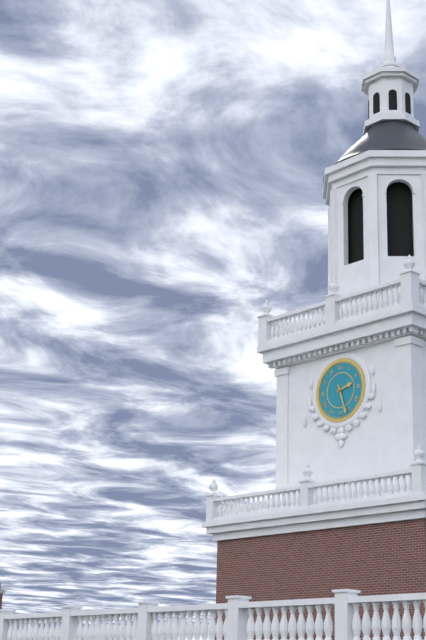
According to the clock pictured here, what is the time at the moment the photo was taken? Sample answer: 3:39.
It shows 2:27
